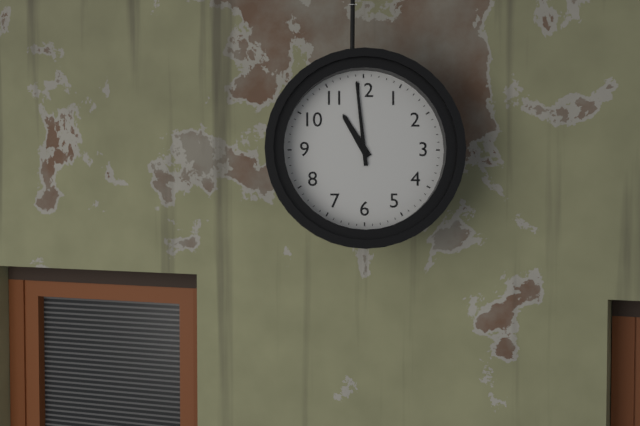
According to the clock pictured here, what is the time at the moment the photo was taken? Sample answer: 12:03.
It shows 10:59
